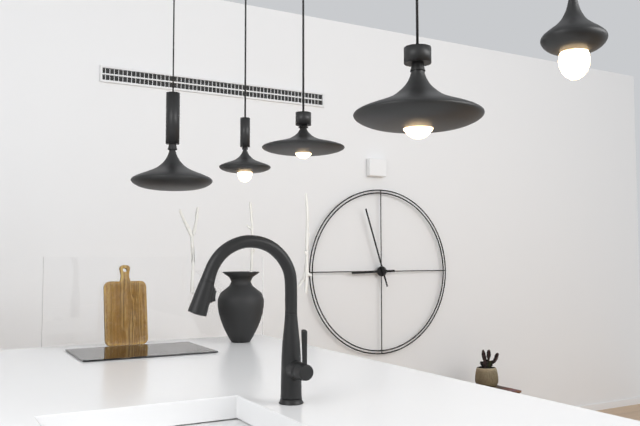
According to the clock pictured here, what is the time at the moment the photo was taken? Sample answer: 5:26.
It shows 8:57
